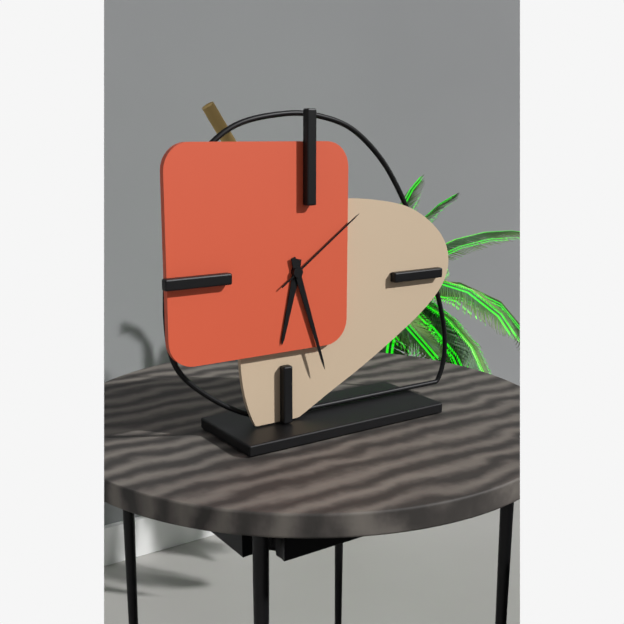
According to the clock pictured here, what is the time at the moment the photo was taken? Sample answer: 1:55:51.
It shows 6:27:09
